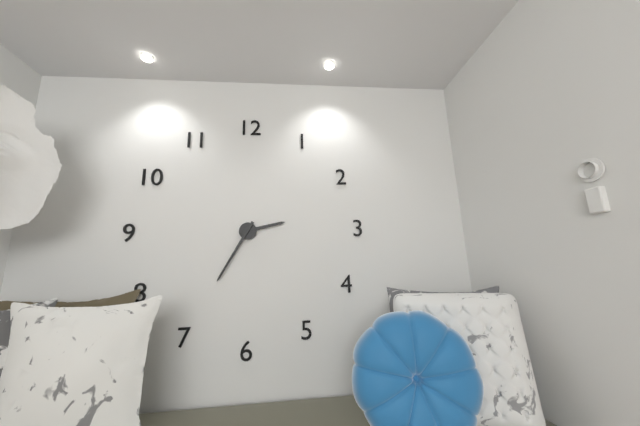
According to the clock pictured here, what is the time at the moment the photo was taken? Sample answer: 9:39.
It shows 2:35
